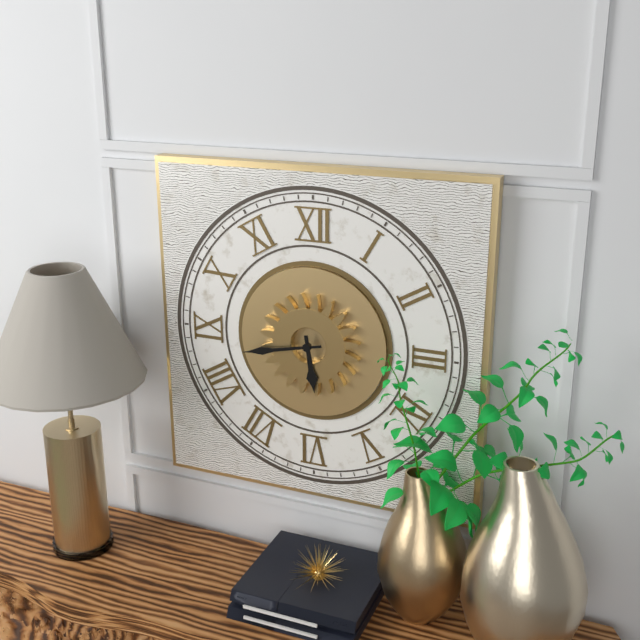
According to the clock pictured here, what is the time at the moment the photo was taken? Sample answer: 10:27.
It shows 5:43
